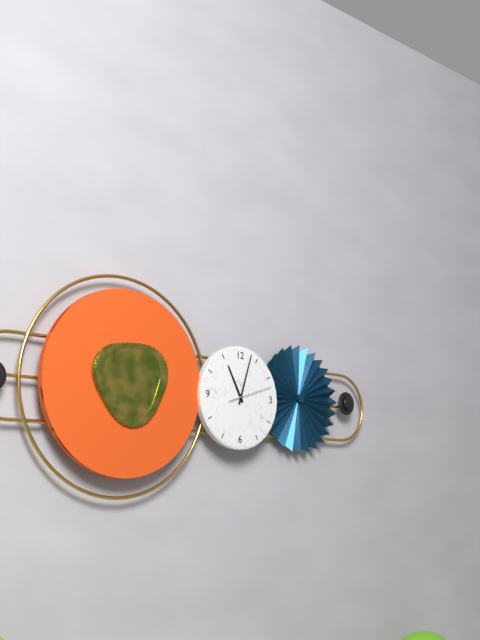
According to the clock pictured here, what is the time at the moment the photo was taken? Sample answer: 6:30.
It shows 11:03
